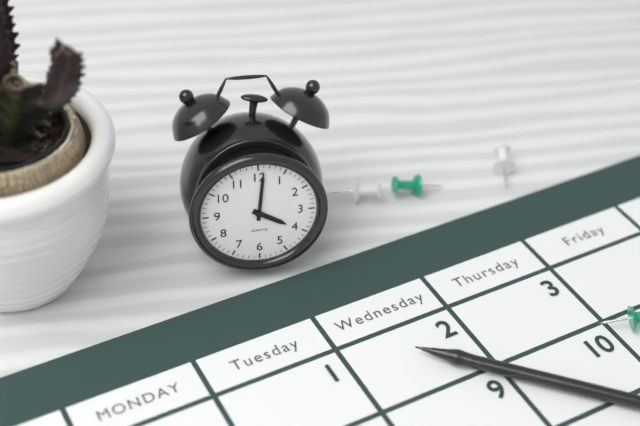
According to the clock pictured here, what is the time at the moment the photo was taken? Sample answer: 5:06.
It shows 4:01
